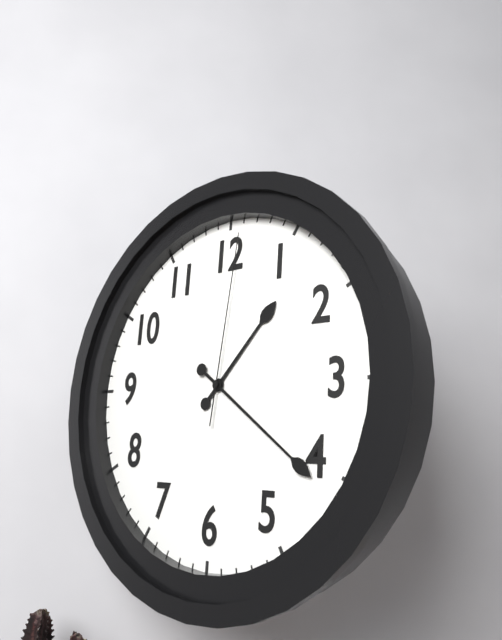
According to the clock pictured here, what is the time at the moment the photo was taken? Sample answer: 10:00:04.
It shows 1:21:01
